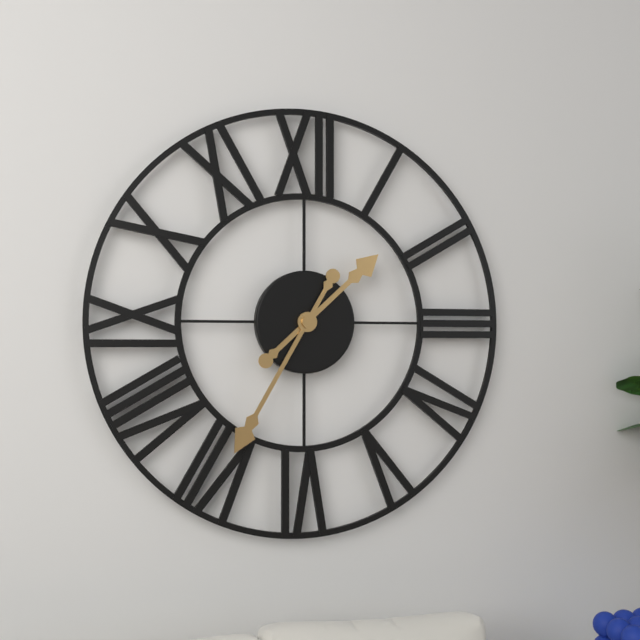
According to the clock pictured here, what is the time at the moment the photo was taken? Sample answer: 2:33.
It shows 1:35
